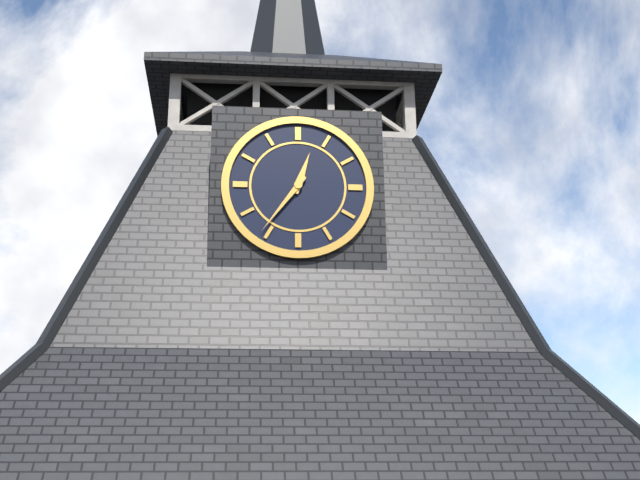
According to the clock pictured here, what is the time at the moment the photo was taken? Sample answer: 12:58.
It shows 12:36
